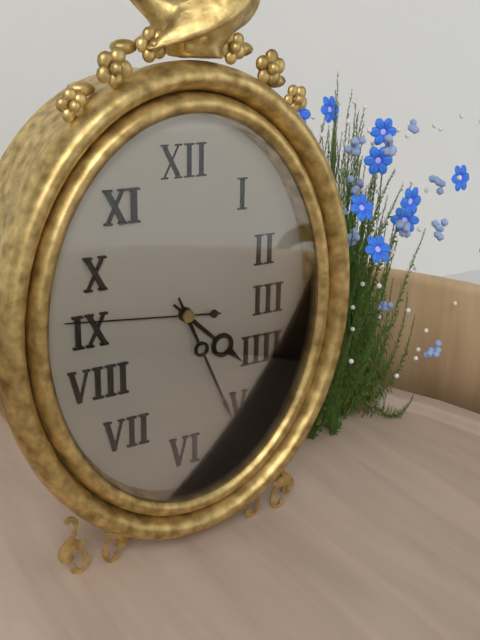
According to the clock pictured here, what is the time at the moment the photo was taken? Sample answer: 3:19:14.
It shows 4:26:46
